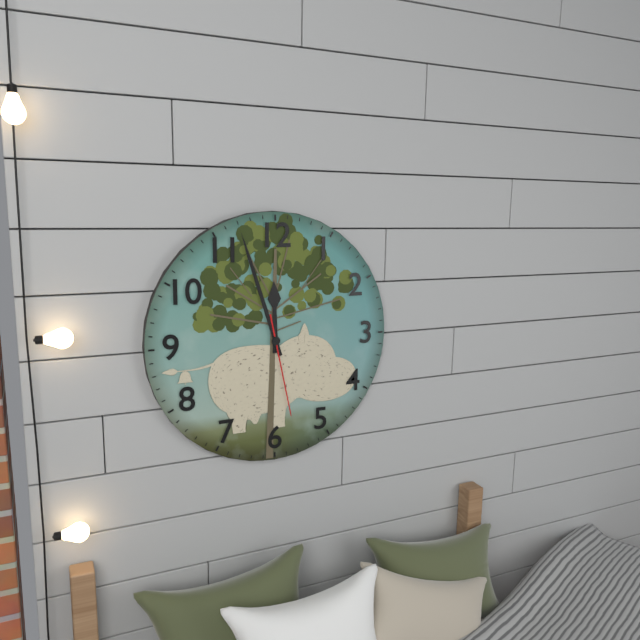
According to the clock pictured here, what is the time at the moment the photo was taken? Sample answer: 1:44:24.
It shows 11:57:28
